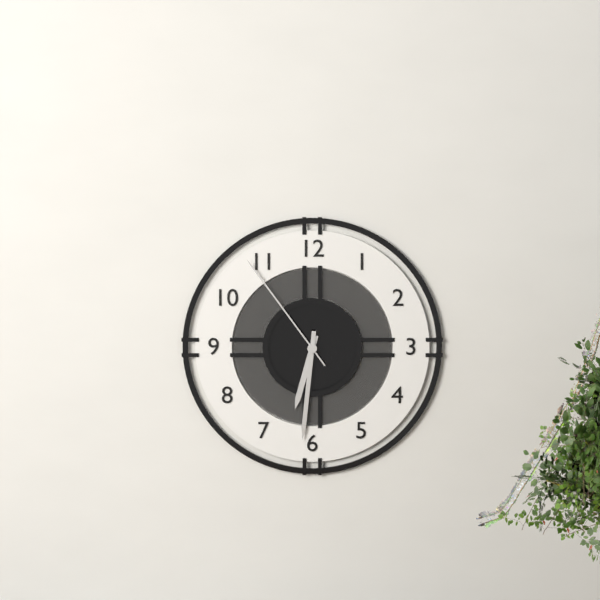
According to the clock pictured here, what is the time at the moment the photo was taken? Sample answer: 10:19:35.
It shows 6:31:54
